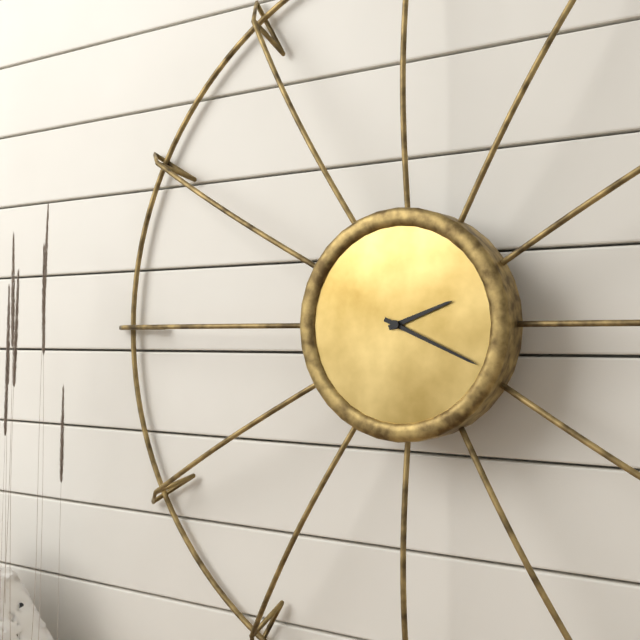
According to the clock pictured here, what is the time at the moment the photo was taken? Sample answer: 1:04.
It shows 2:19
